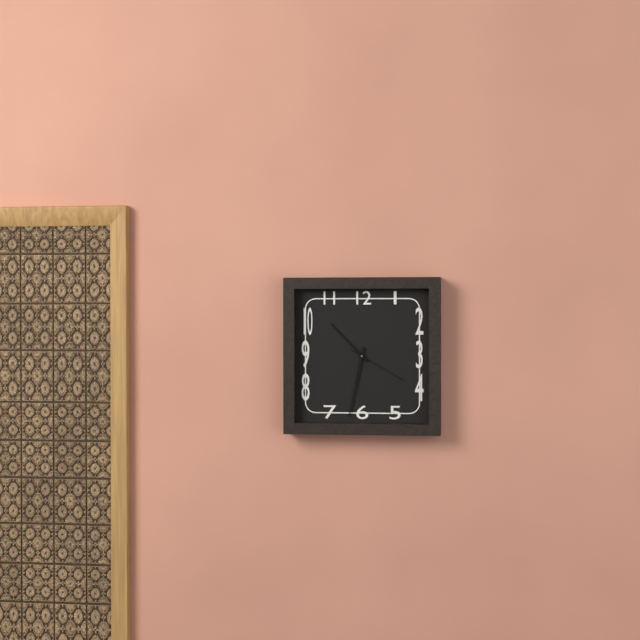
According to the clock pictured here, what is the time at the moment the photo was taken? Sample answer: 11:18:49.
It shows 10:32:20
